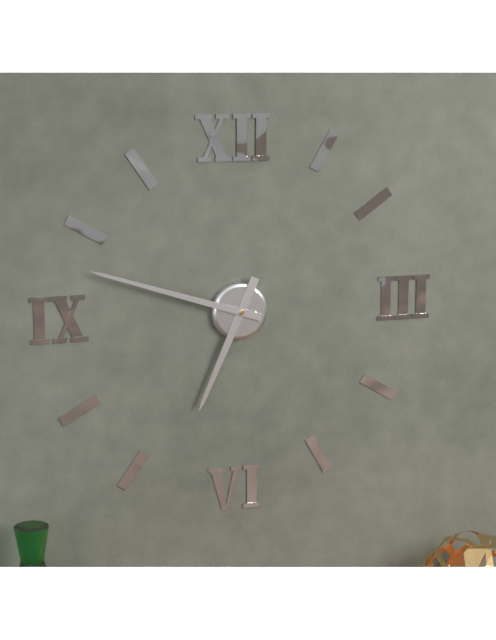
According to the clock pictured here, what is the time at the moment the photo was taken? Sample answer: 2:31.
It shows 6:48
